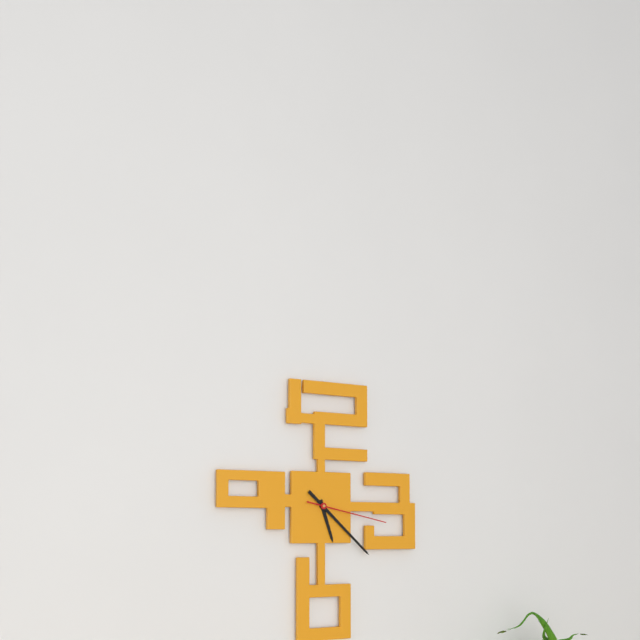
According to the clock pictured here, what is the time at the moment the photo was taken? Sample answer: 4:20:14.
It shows 5:22:17
